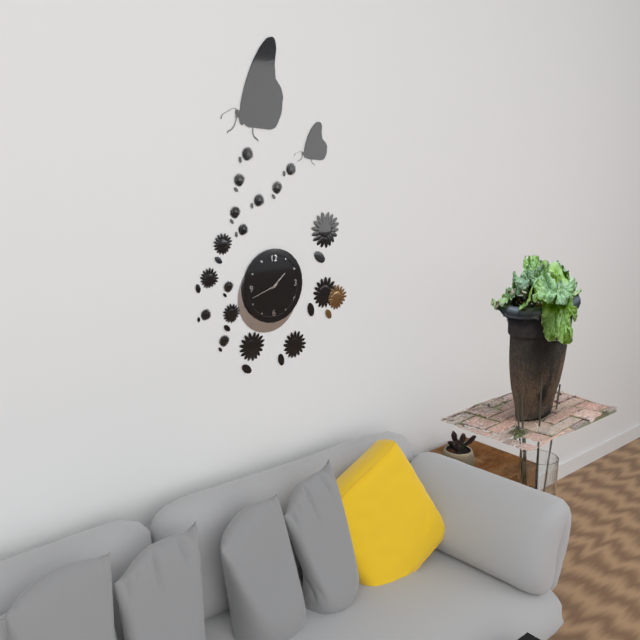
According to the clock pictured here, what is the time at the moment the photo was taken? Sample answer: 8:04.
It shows 1:42
